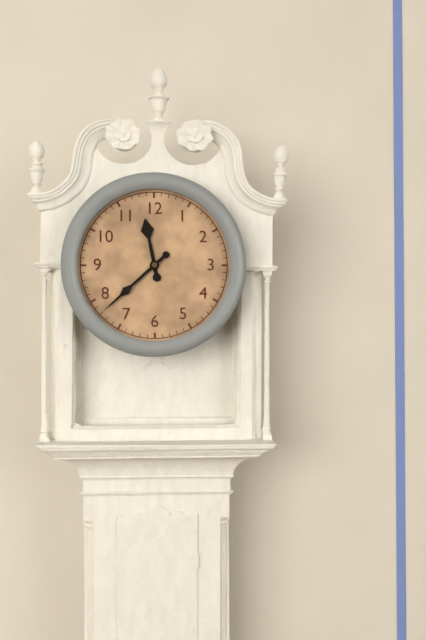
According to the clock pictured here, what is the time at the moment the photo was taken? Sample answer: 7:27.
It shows 11:38
